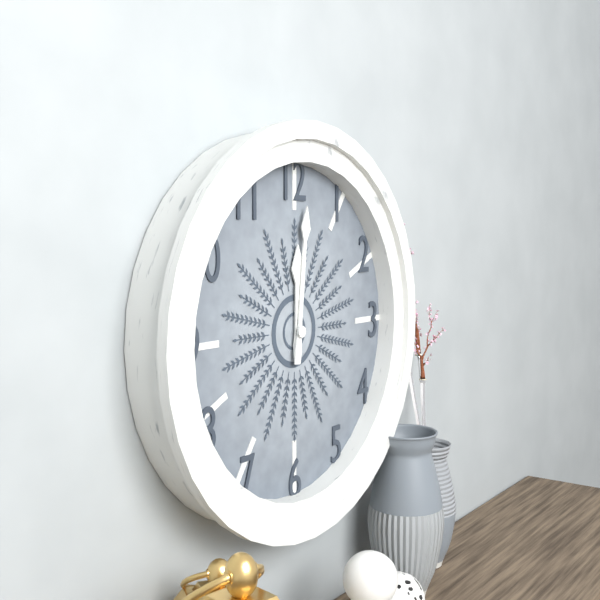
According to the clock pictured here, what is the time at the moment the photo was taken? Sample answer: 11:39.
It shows 12:01
